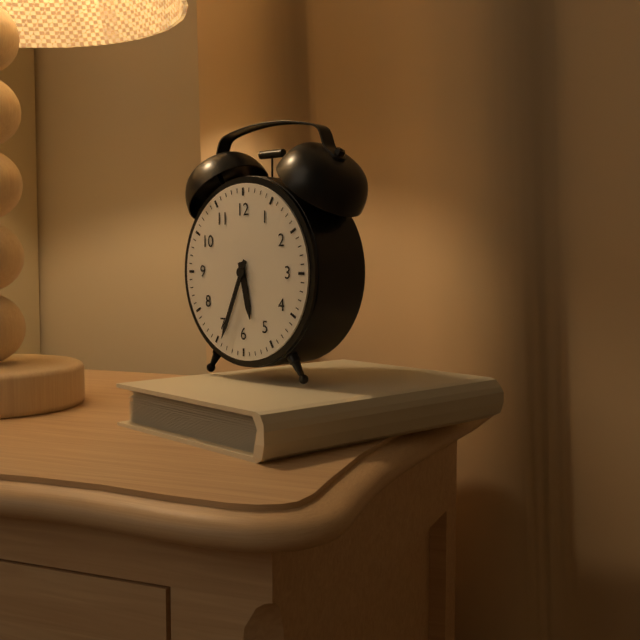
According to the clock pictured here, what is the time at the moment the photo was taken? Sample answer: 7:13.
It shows 5:34
